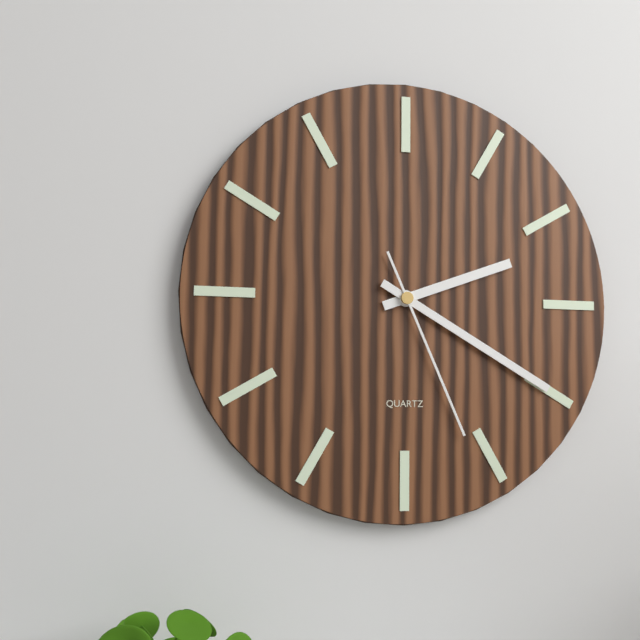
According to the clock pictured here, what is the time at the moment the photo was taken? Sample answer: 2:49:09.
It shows 2:20:26
